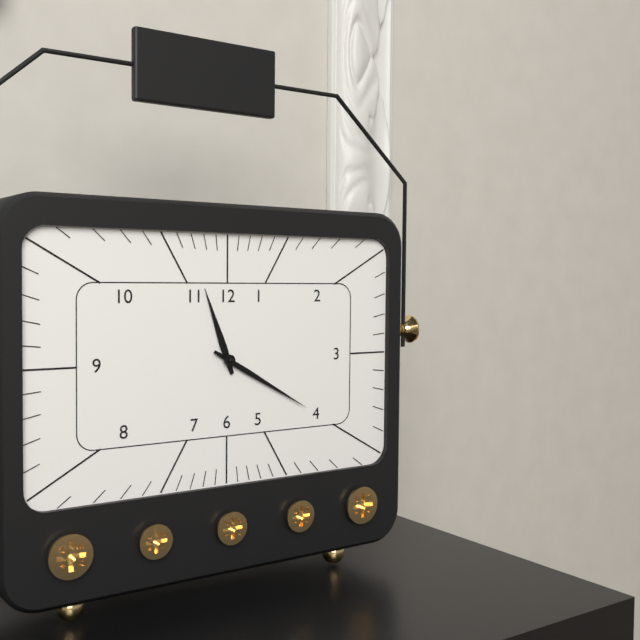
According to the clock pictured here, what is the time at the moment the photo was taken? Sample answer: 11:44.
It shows 11:20
